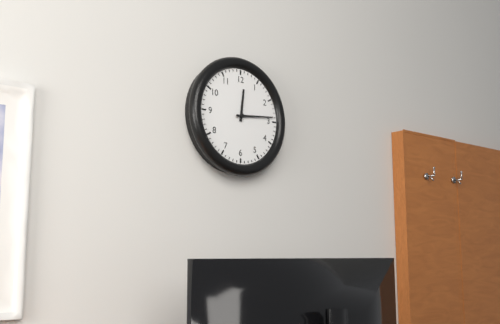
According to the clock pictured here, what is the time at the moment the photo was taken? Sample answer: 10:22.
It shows 12:14
